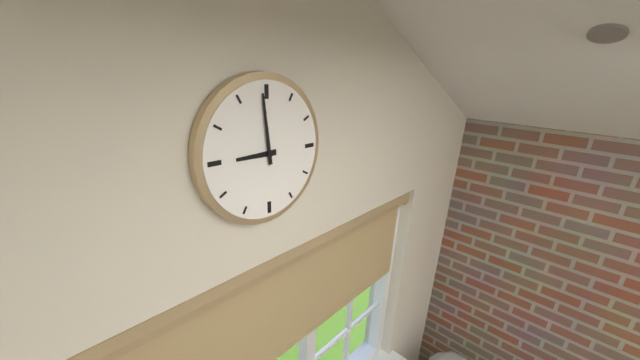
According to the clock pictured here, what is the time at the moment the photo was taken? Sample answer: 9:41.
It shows 8:59
